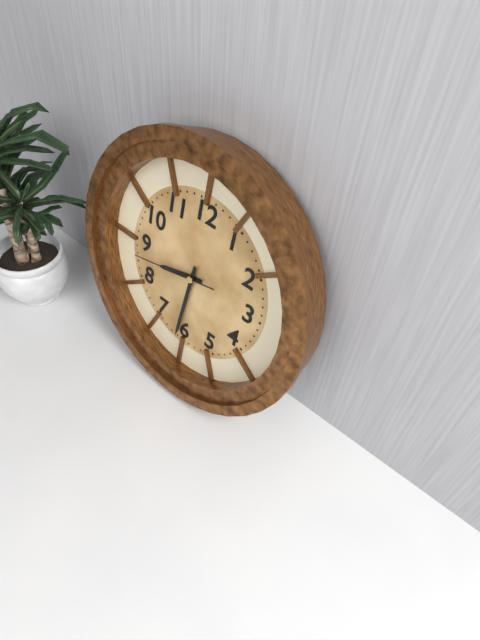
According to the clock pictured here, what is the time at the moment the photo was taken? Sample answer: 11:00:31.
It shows 8:31:43
